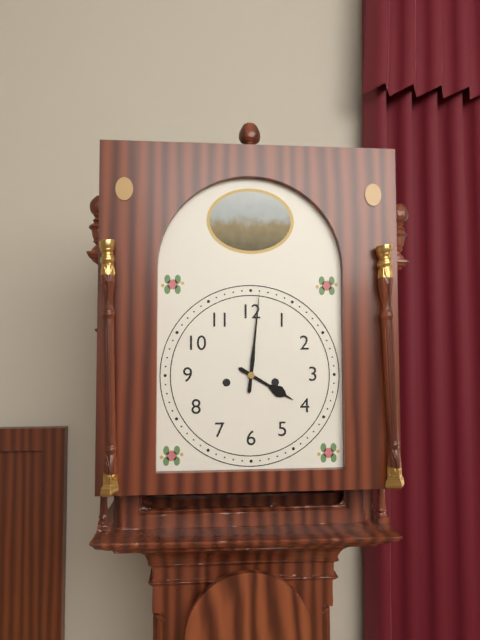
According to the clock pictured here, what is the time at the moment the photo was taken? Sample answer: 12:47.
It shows 4:01
